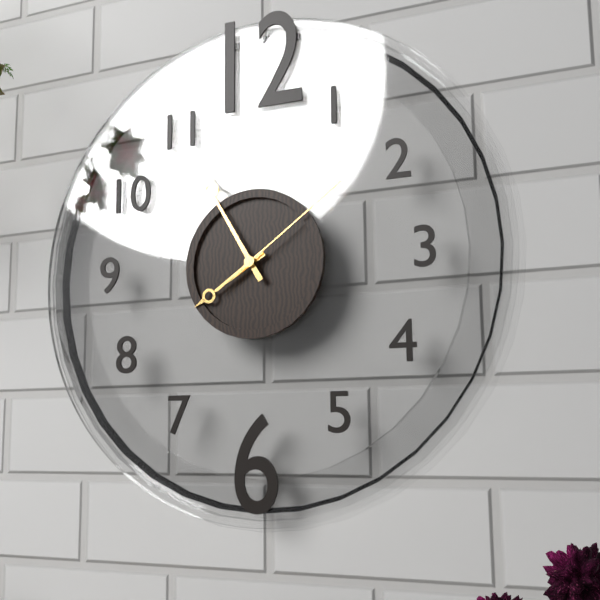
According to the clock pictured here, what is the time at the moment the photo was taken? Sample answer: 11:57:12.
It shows 7:55:09
